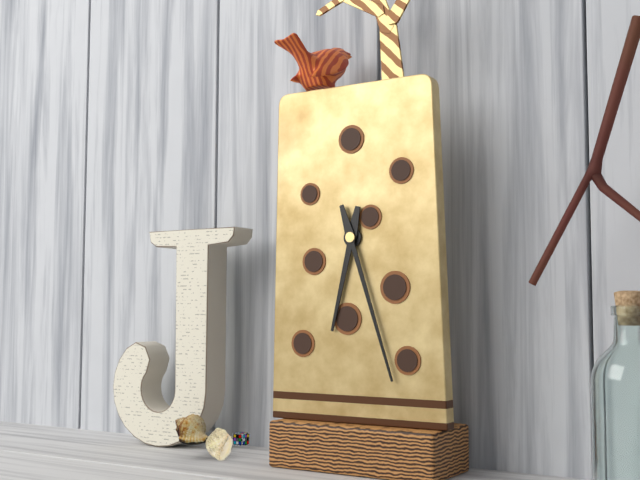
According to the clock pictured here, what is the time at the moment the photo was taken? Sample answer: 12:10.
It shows 6:27
